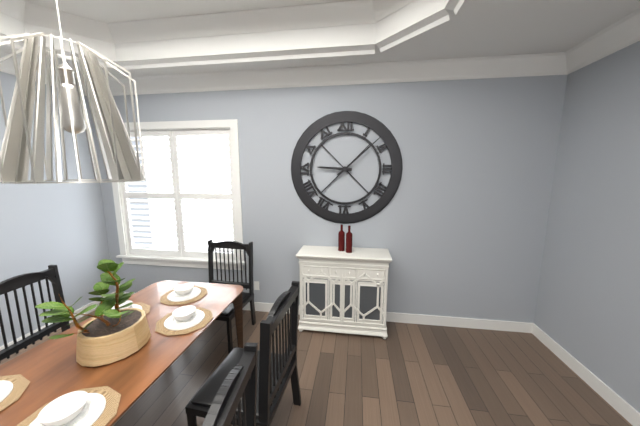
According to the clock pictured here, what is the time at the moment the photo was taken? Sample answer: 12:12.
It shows 9:08
